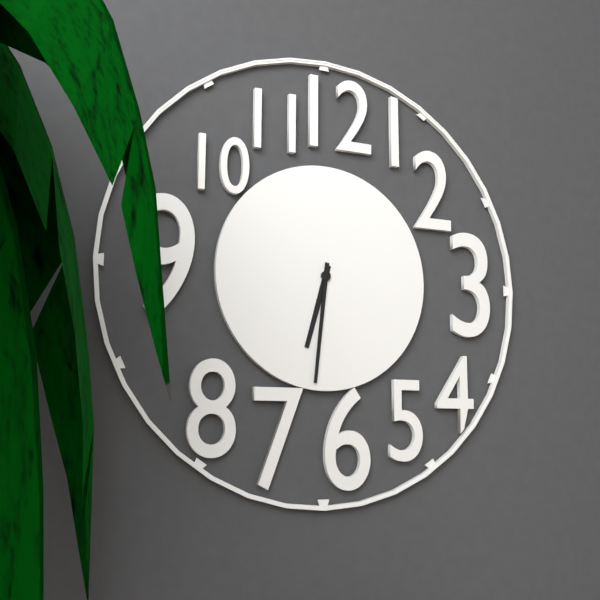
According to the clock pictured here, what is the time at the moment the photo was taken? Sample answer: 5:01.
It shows 6:31
